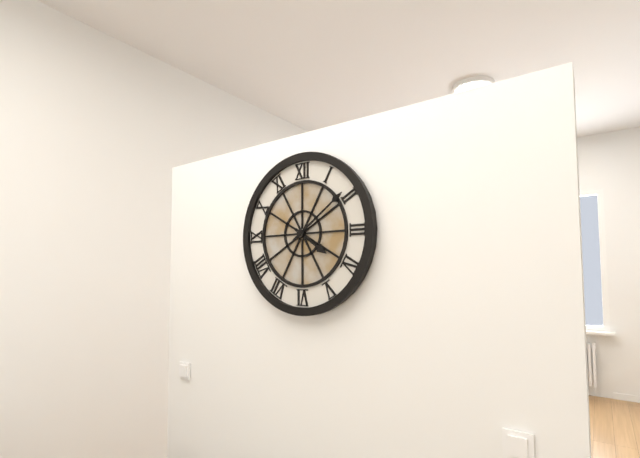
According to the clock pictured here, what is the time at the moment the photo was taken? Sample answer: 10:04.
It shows 4:09
